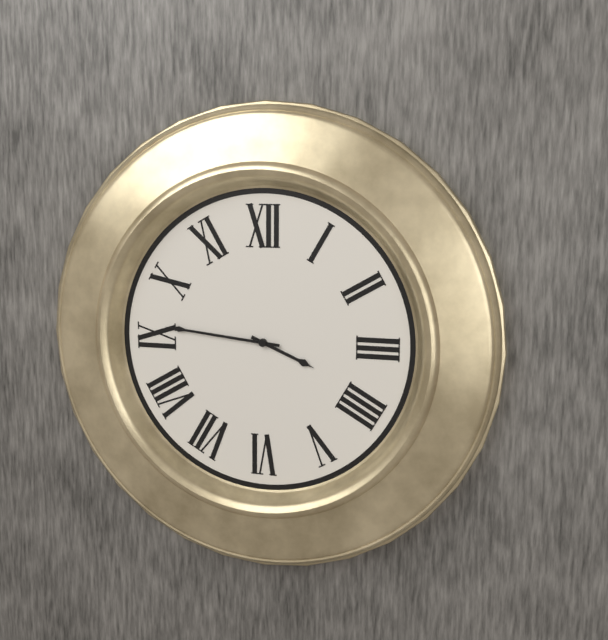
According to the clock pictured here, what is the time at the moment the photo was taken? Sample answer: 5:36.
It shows 3:46
